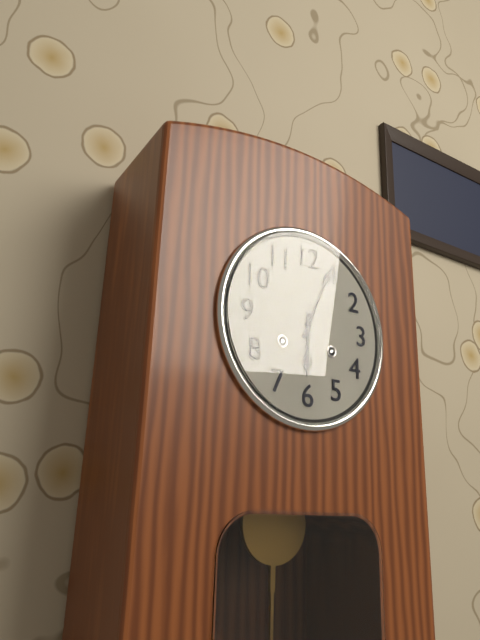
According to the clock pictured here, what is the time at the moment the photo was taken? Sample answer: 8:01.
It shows 6:04
